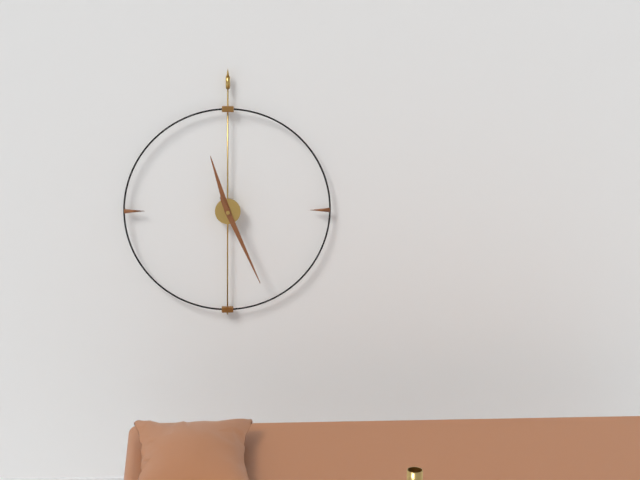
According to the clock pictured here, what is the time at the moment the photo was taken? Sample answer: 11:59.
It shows 11:26
